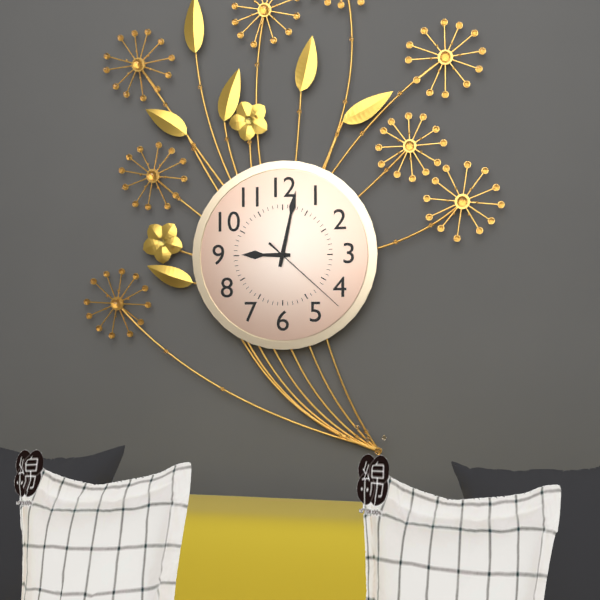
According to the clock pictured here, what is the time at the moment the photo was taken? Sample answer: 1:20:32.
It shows 9:02:22
